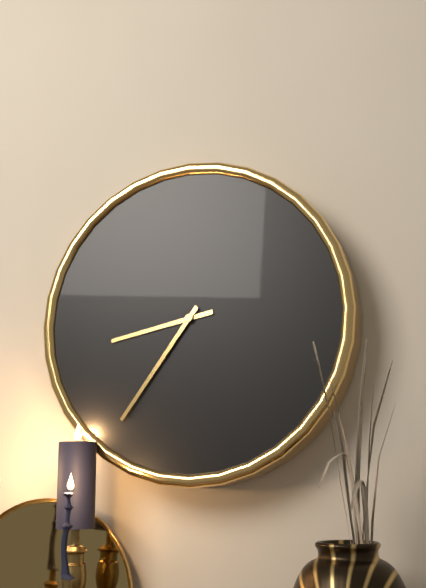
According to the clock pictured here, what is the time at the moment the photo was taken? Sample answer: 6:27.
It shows 8:36
